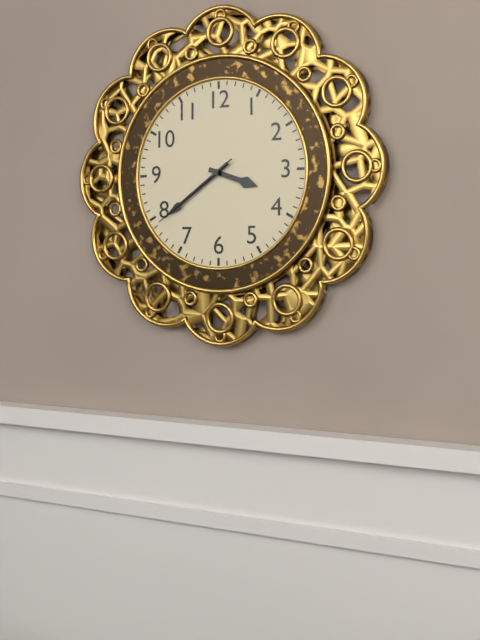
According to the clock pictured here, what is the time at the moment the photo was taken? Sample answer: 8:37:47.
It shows 3:39:39
